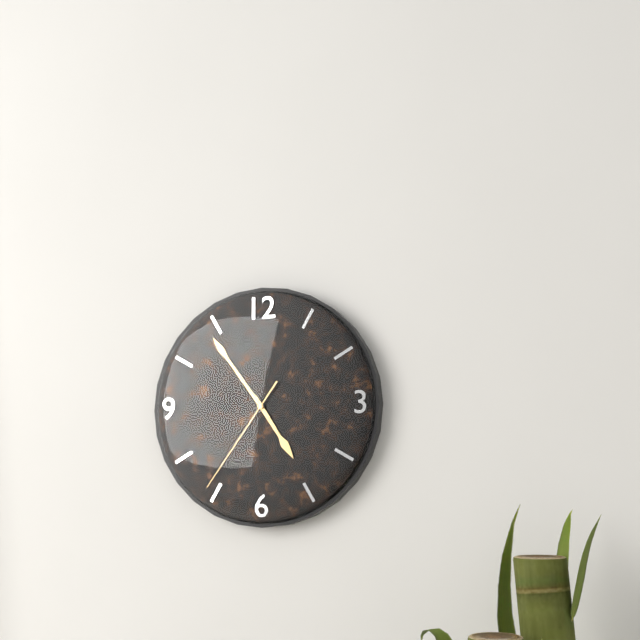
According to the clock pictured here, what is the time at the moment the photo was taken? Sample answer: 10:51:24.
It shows 4:54:36
